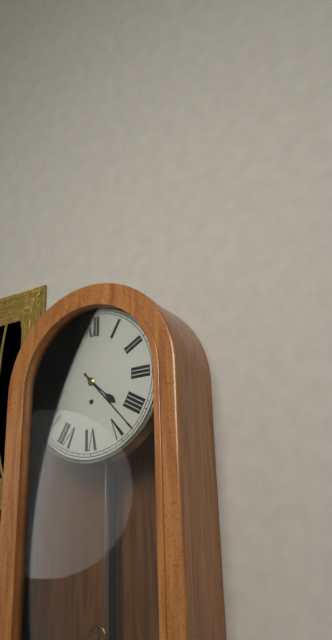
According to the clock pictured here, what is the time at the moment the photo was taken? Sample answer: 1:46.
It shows 4:23
